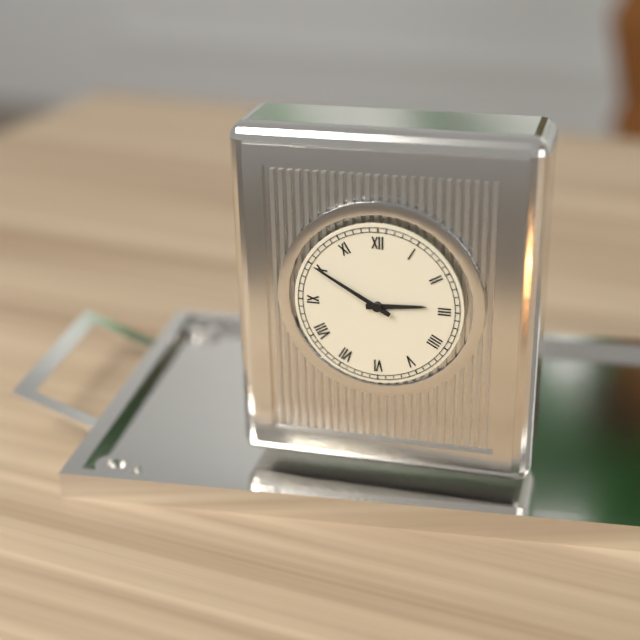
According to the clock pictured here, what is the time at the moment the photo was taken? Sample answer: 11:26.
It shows 2:50
